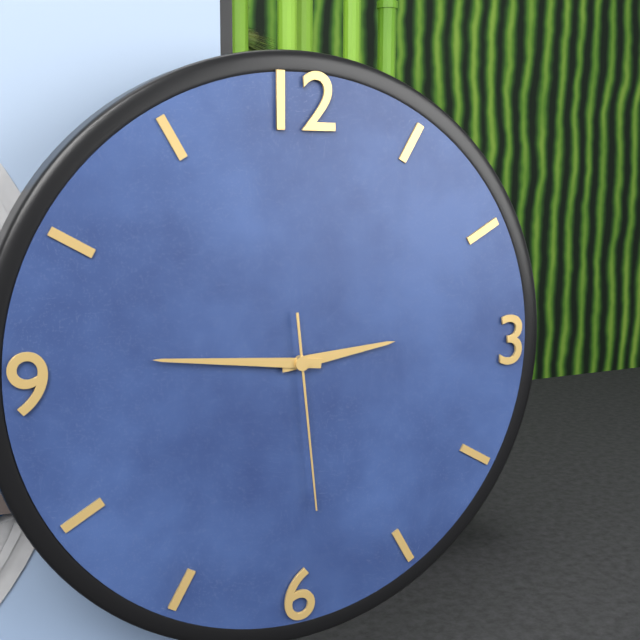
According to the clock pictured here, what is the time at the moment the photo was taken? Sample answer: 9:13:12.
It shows 2:46:29
